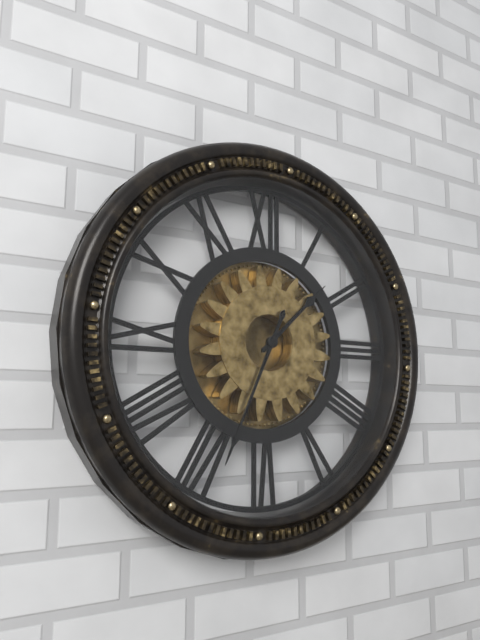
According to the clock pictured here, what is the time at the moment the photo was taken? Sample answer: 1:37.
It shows 1:34
